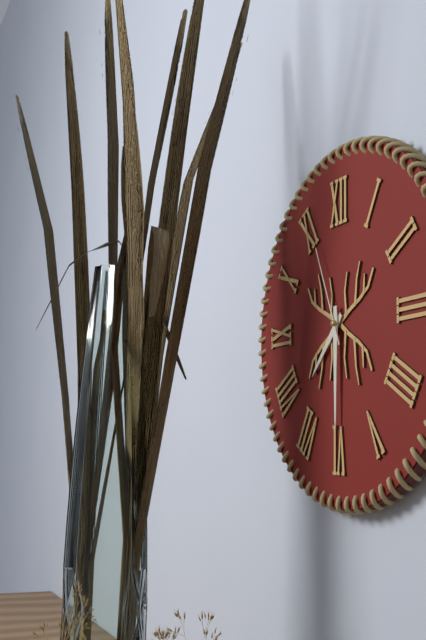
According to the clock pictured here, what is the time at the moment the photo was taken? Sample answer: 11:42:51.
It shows 7:30:56
